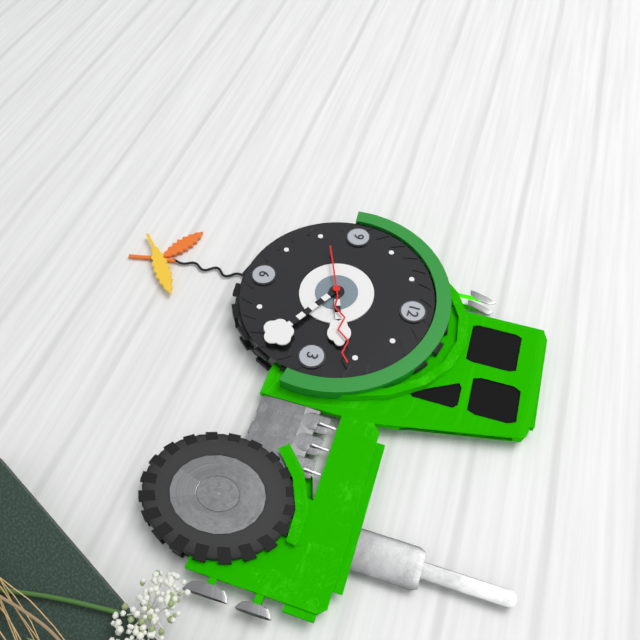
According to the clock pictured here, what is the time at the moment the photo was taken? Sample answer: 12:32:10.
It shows 2:20:11
